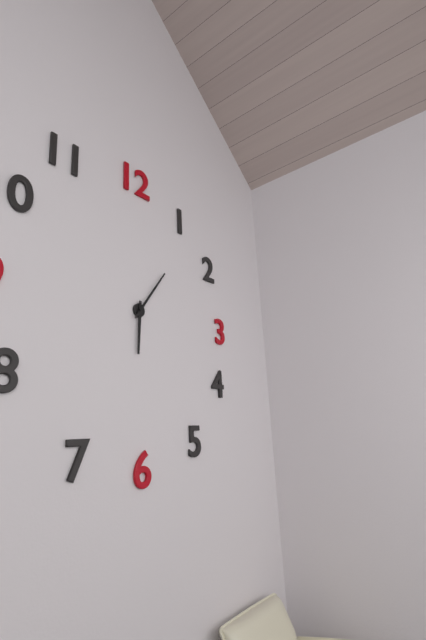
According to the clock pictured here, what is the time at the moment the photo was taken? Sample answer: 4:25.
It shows 6:06
